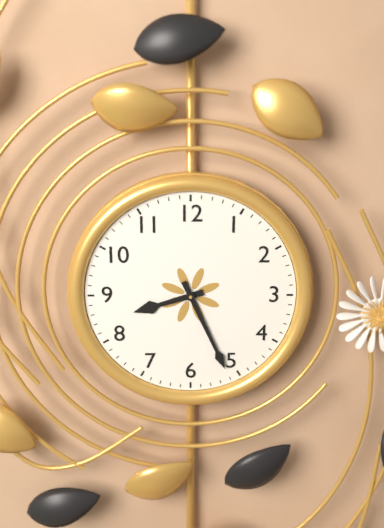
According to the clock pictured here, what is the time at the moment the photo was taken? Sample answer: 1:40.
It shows 8:26
